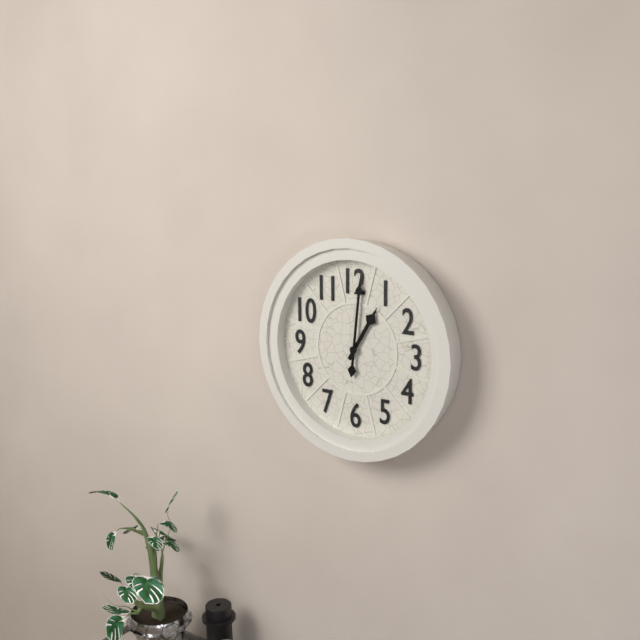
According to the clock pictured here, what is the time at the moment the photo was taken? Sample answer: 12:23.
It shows 1:01
